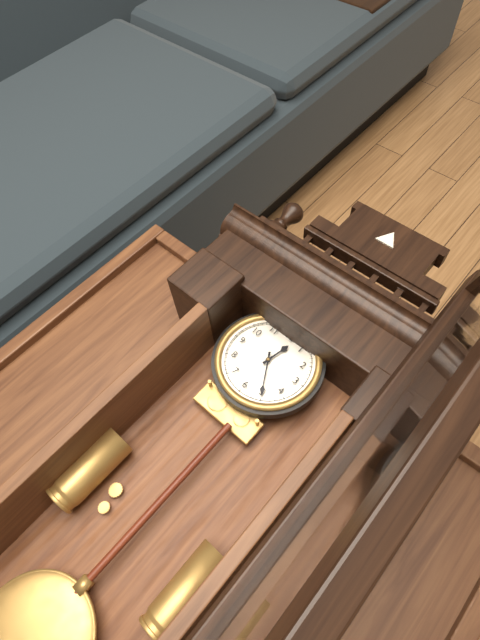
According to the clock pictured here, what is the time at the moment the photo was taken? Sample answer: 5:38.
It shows 12:25
